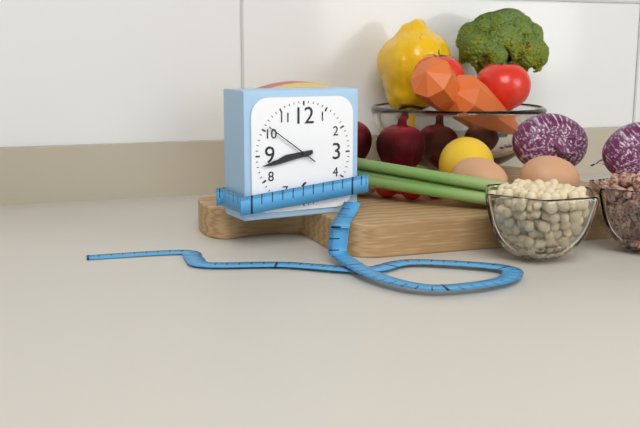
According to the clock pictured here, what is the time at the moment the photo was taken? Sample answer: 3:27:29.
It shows 8:43:51
